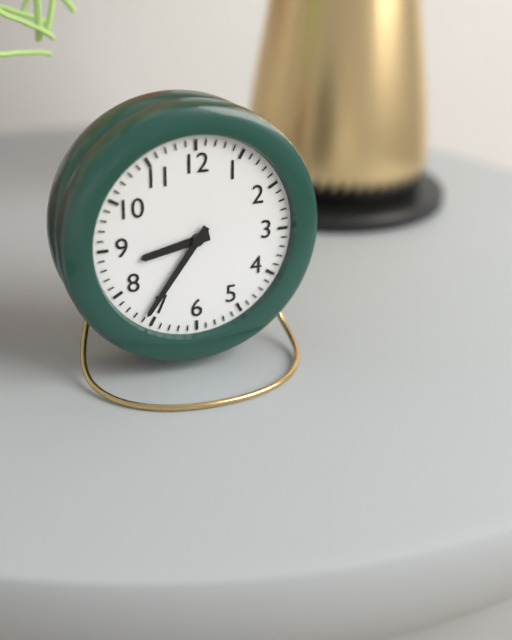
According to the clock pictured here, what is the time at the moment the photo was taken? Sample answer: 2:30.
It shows 8:36
